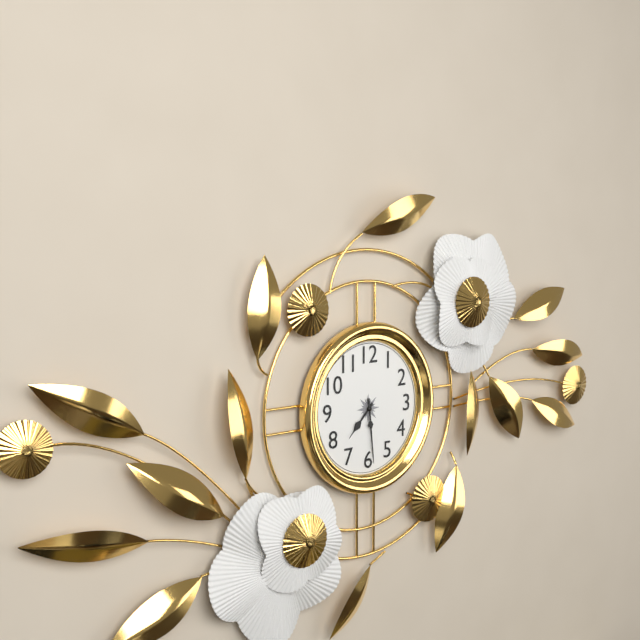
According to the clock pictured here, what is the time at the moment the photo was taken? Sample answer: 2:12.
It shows 7:29
